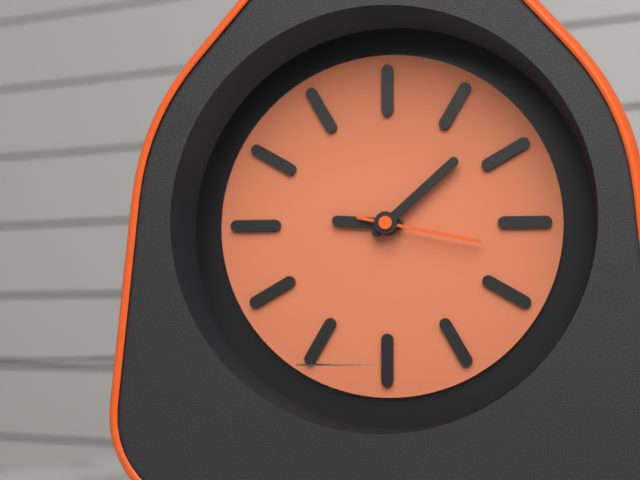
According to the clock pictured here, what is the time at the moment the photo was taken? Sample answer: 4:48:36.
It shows 9:08:17
